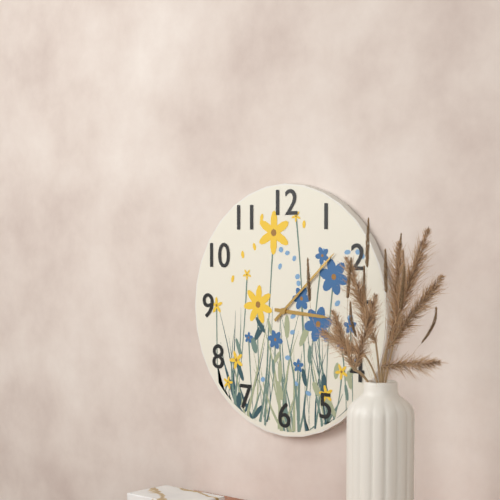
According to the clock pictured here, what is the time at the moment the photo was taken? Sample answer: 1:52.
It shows 3:08
